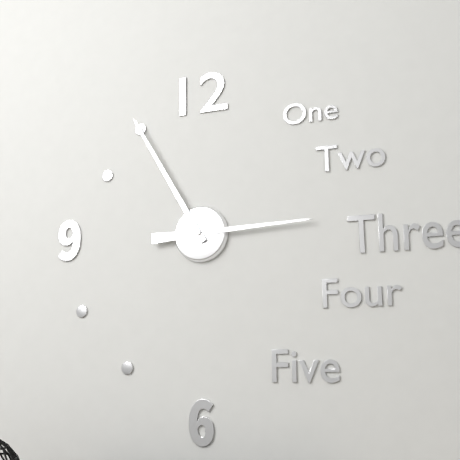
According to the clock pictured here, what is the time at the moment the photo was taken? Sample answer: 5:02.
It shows 2:55
